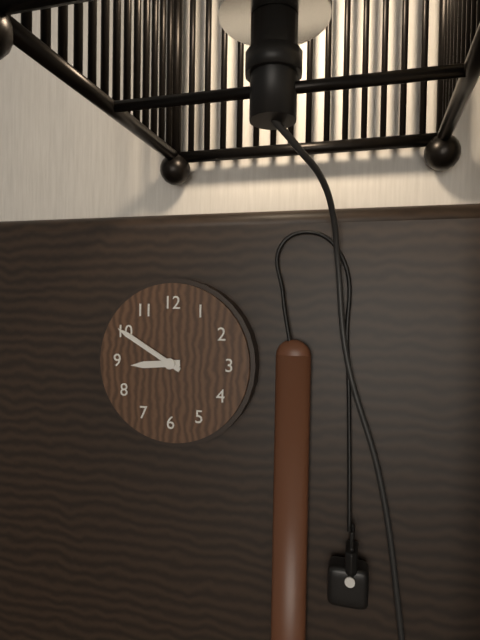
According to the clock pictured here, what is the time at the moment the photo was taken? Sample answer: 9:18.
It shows 8:50
